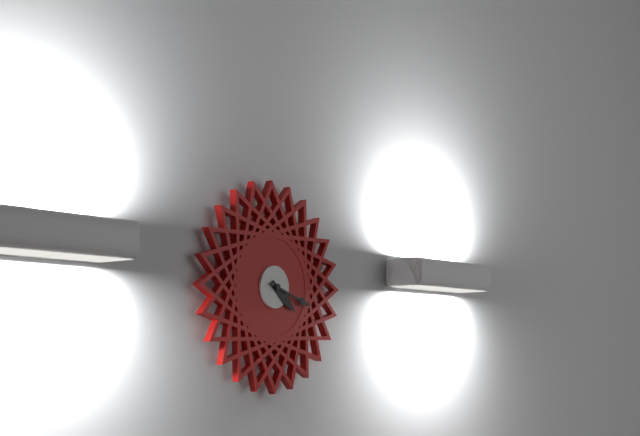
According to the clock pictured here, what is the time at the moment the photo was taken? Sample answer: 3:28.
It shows 4:18
